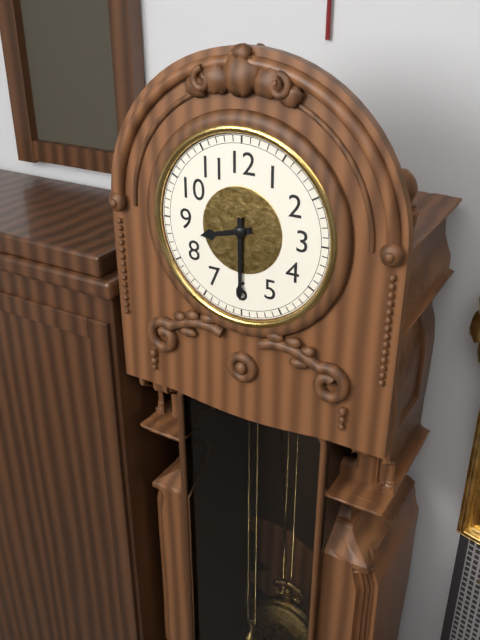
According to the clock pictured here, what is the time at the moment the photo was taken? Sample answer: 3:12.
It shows 8:30
